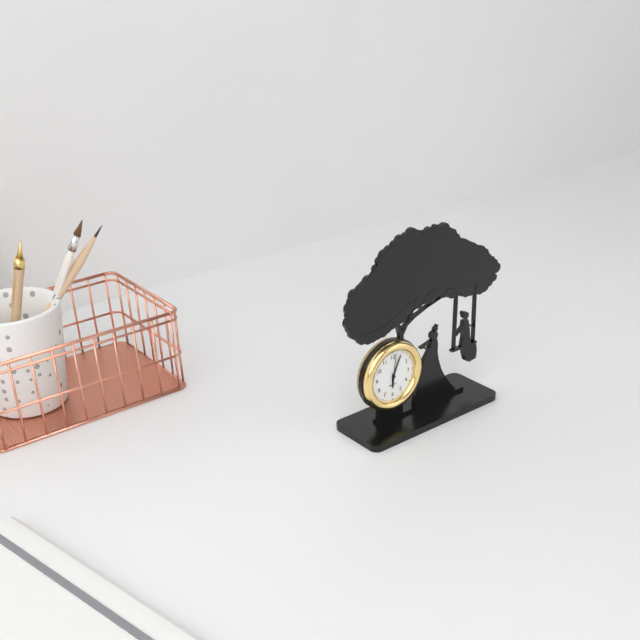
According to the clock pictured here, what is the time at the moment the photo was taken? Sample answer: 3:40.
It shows 6:04
